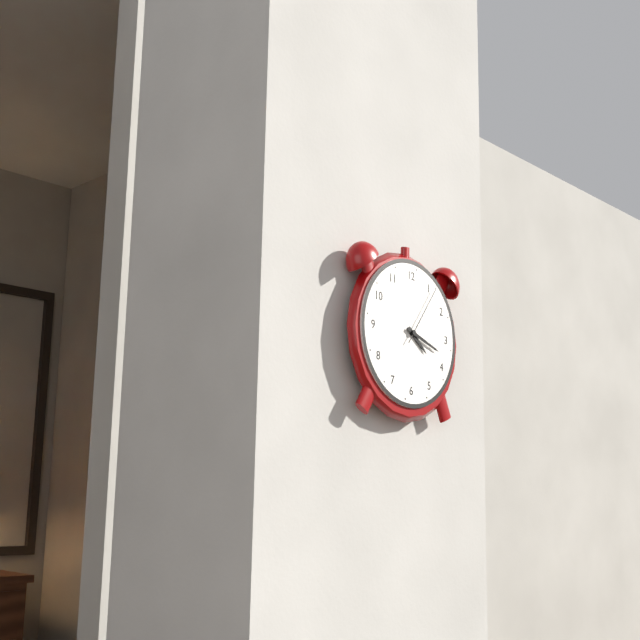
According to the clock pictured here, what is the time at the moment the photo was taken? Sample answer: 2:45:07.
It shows 4:18:06
